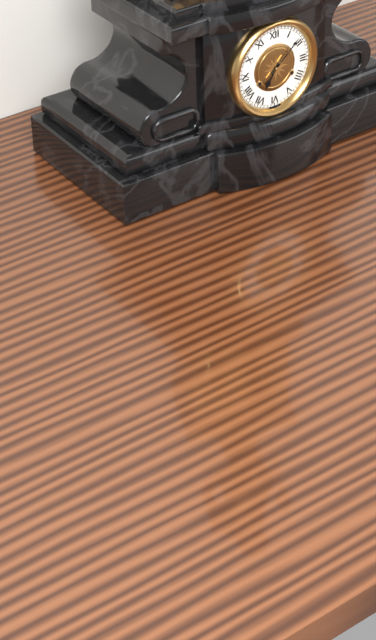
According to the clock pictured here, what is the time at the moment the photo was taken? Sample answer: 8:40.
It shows 7:08
